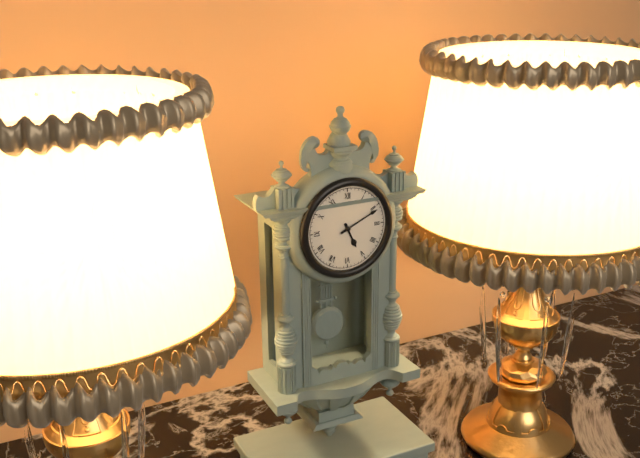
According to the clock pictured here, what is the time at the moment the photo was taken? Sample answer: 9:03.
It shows 5:11
